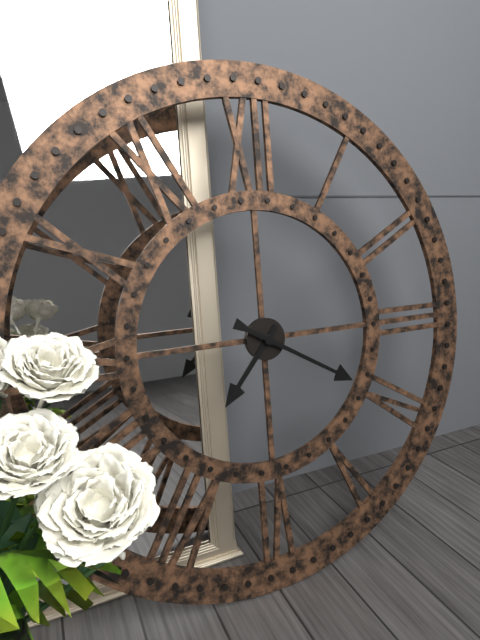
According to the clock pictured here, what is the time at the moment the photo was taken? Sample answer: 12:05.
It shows 7:20
